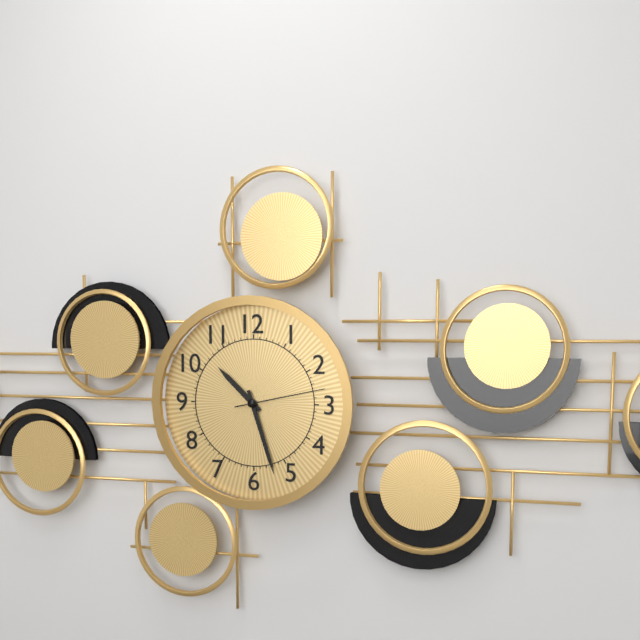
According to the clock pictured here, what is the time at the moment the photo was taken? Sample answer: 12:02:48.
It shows 10:27:13
